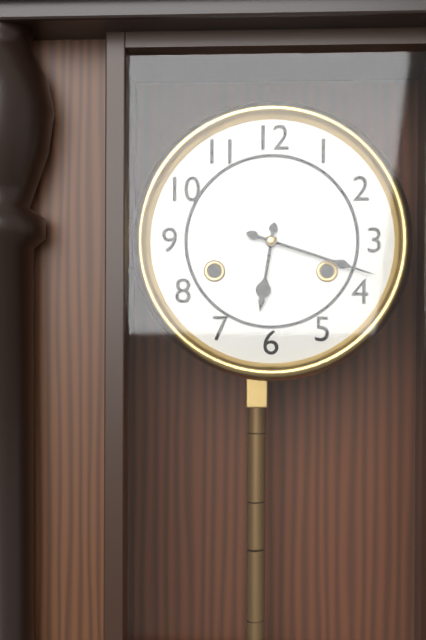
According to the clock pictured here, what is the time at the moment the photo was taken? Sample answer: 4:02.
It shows 6:18
